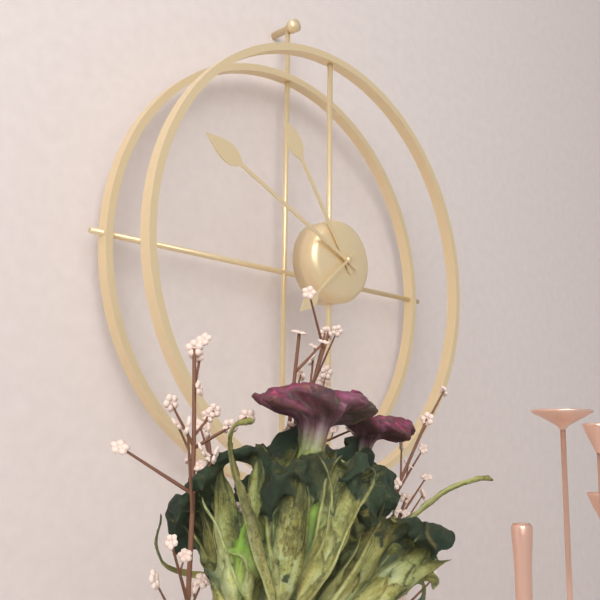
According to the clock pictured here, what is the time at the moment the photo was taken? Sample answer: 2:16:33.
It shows 10:49:38
